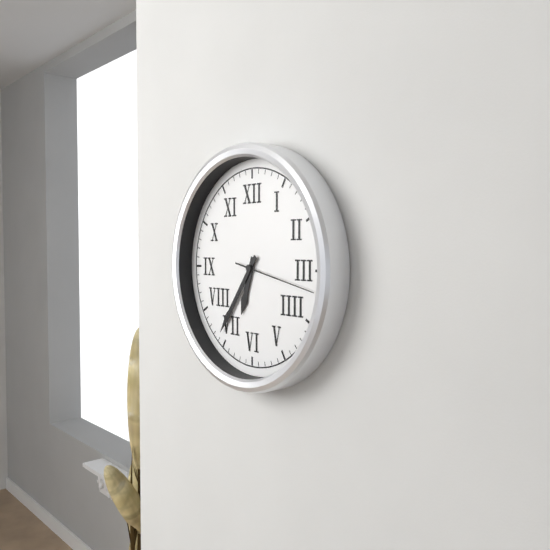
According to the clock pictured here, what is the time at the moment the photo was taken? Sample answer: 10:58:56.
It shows 6:36:17
